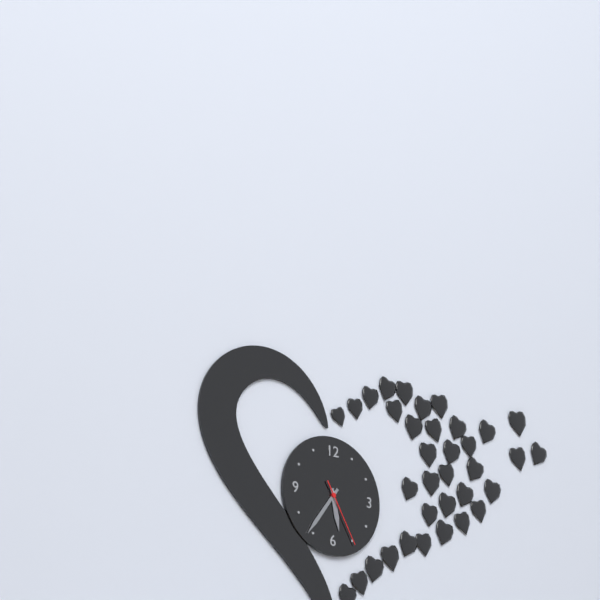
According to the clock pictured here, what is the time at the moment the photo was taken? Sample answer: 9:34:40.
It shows 5:36:25
